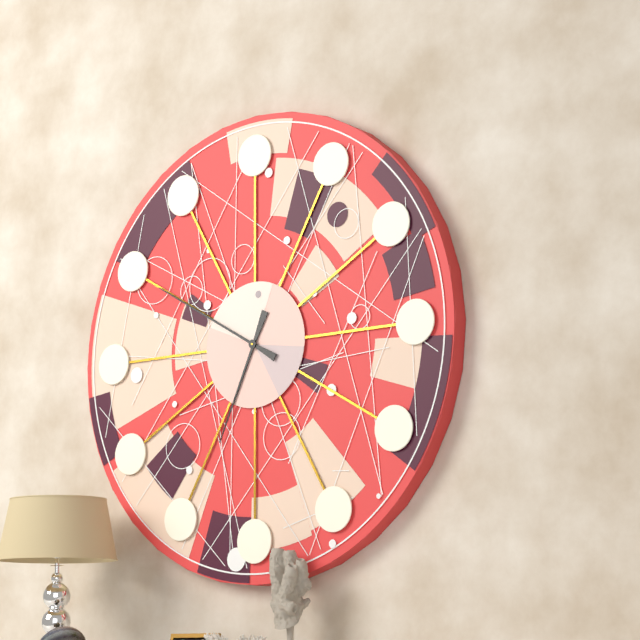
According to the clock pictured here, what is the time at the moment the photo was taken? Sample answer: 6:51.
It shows 6:50
